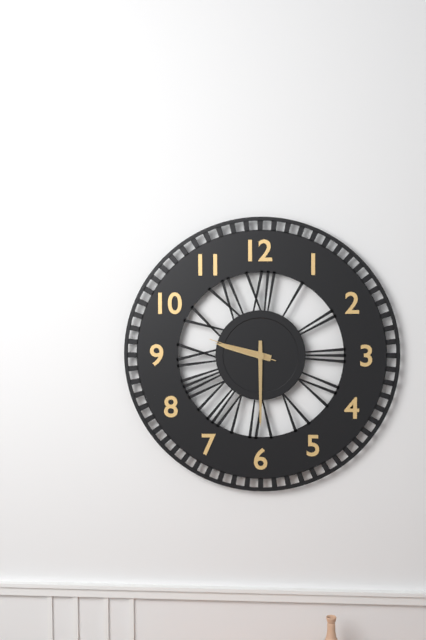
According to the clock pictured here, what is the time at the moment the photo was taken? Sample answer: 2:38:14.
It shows 9:30:48
